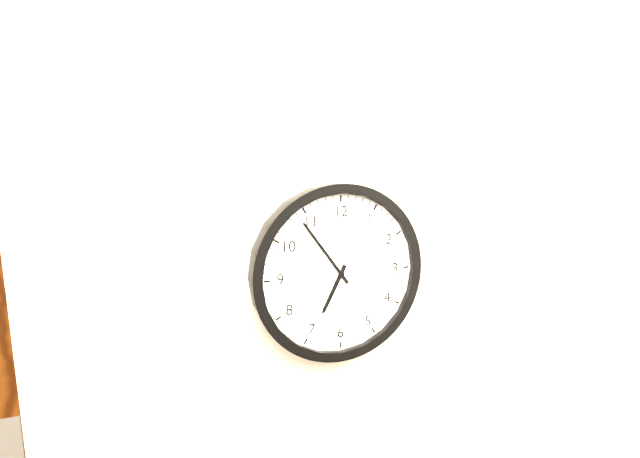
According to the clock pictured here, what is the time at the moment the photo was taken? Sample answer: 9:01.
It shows 6:54
